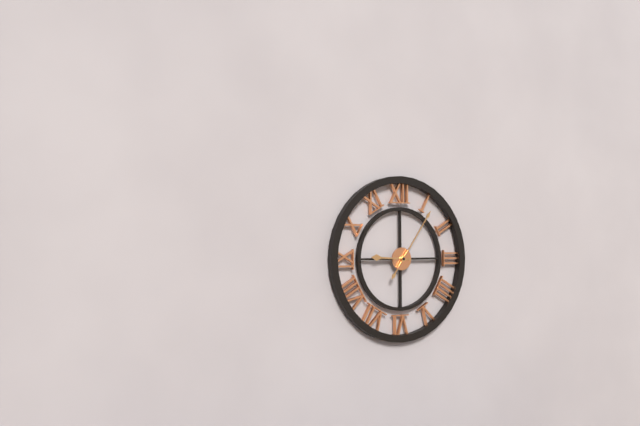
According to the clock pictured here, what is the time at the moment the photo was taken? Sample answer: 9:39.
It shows 9:06
